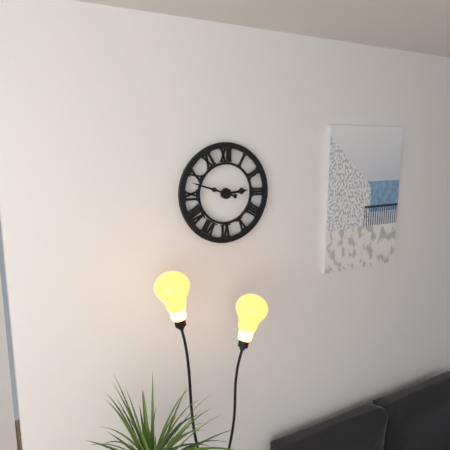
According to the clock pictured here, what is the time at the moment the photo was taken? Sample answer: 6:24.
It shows 2:48
